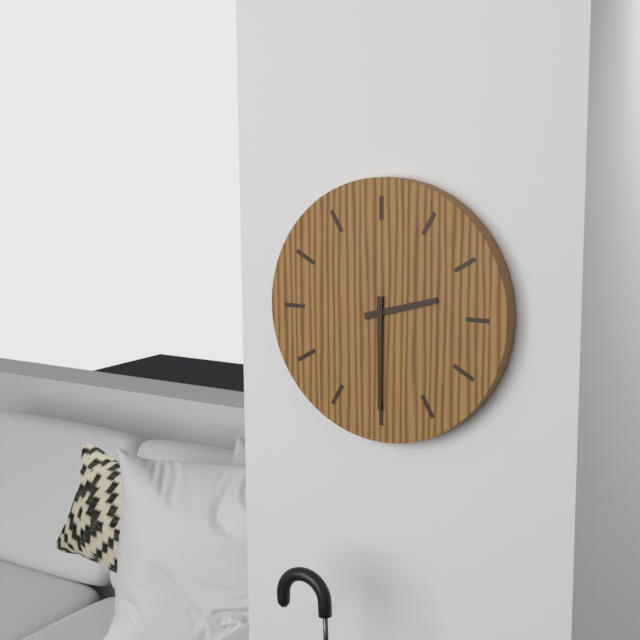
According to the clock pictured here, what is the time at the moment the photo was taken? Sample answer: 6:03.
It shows 2:30
